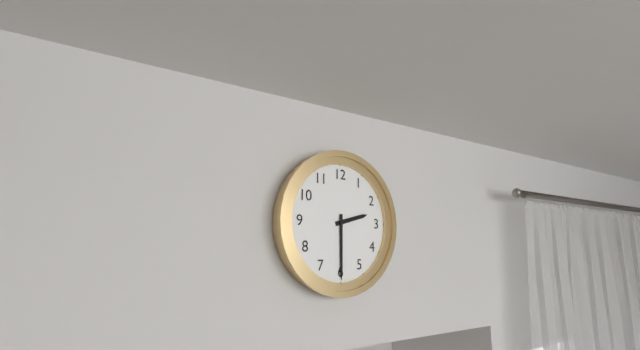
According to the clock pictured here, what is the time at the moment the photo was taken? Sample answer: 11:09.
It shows 2:30
